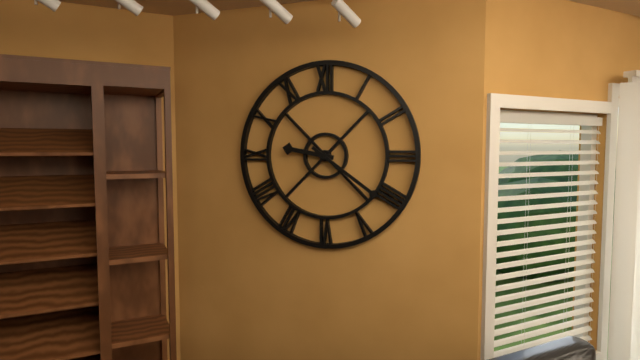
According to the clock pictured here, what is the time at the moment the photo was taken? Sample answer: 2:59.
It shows 9:21
